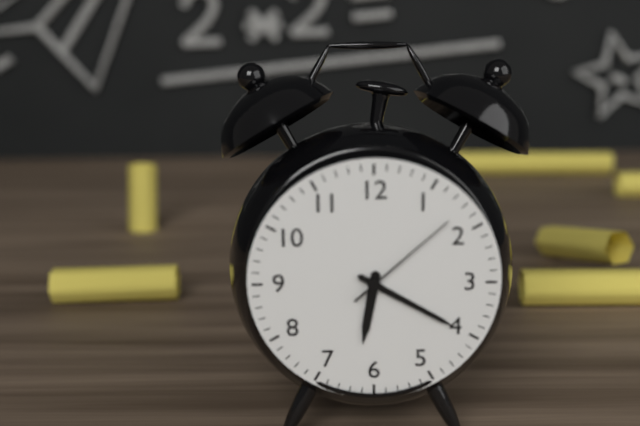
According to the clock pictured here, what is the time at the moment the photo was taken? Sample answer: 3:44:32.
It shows 6:20:08
